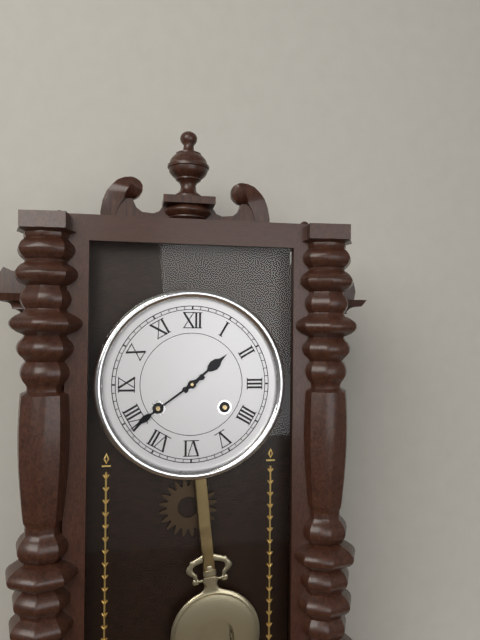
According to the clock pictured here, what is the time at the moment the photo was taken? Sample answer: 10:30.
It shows 1:39
